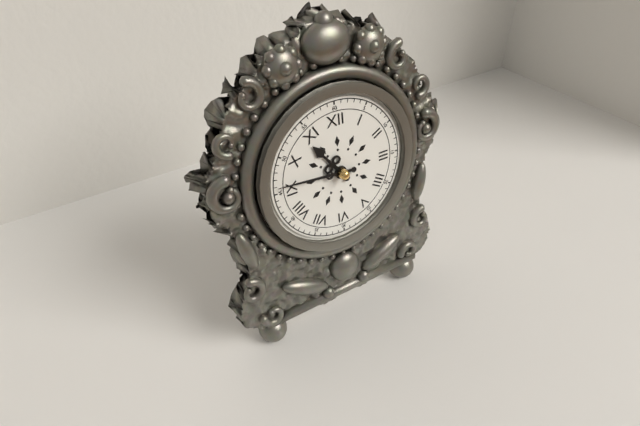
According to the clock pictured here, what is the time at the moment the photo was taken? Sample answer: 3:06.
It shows 10:46
